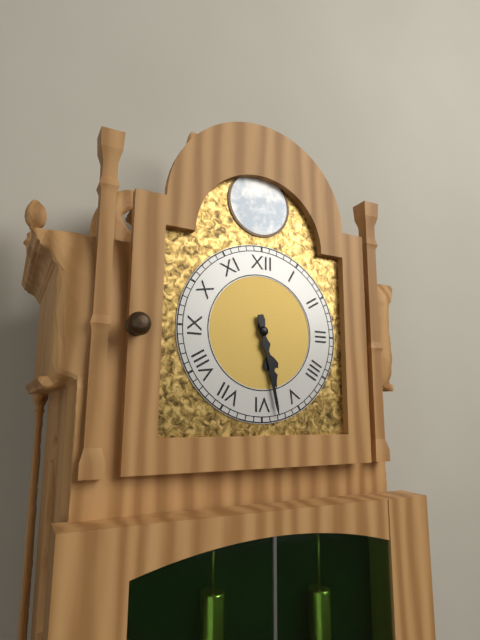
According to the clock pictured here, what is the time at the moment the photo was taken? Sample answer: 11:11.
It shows 5:28
